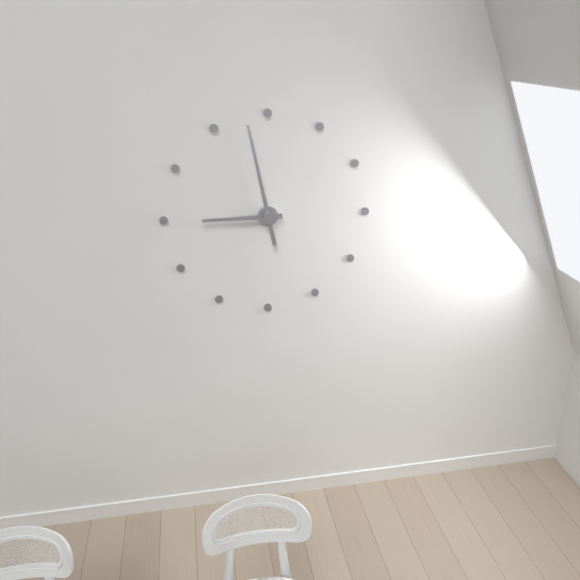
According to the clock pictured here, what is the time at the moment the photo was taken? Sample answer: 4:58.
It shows 8:58
